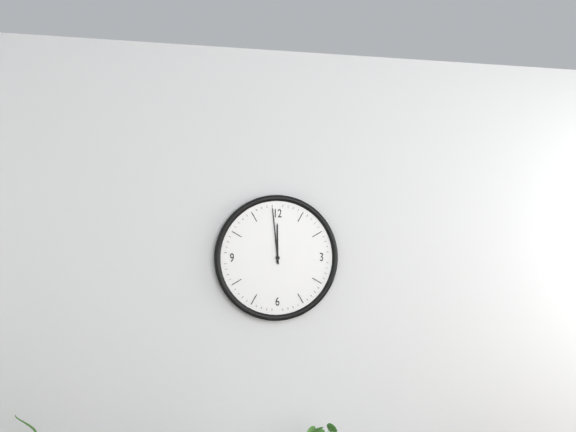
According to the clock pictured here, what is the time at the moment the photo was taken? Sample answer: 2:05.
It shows 11:59
